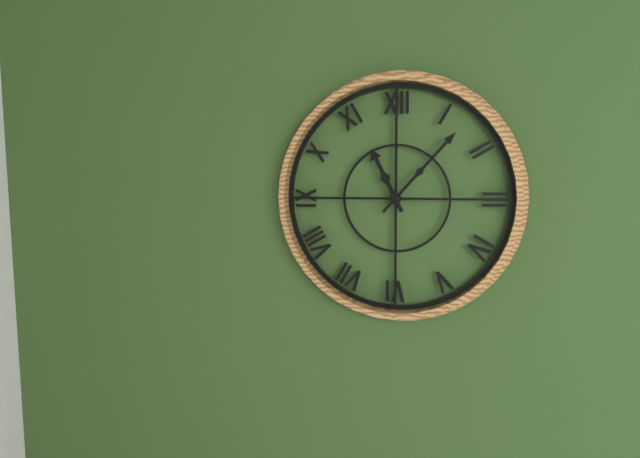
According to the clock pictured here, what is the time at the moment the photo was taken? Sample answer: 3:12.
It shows 11:07
